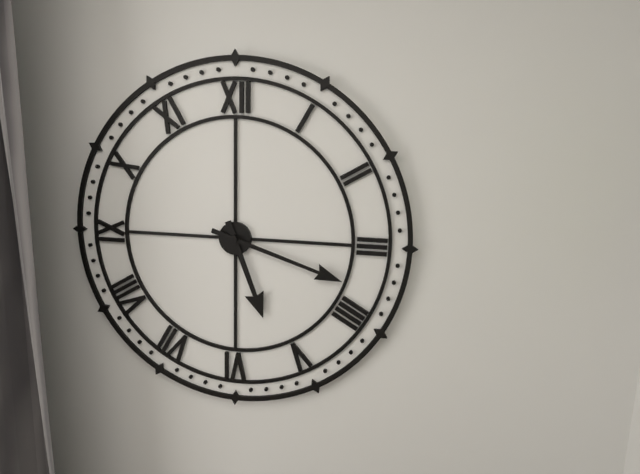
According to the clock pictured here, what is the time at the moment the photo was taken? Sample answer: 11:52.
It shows 5:18
